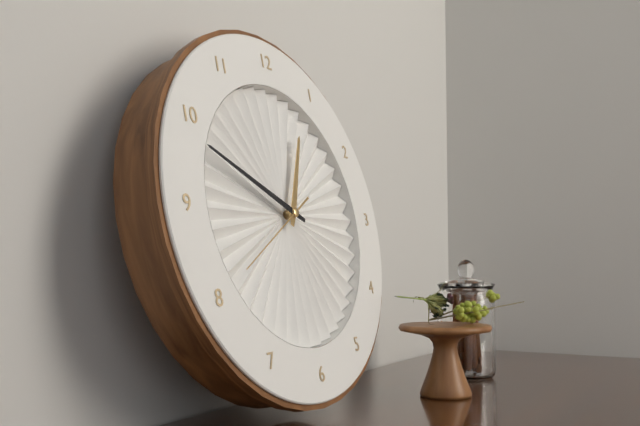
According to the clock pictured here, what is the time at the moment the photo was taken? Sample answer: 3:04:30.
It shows 12:49:40
